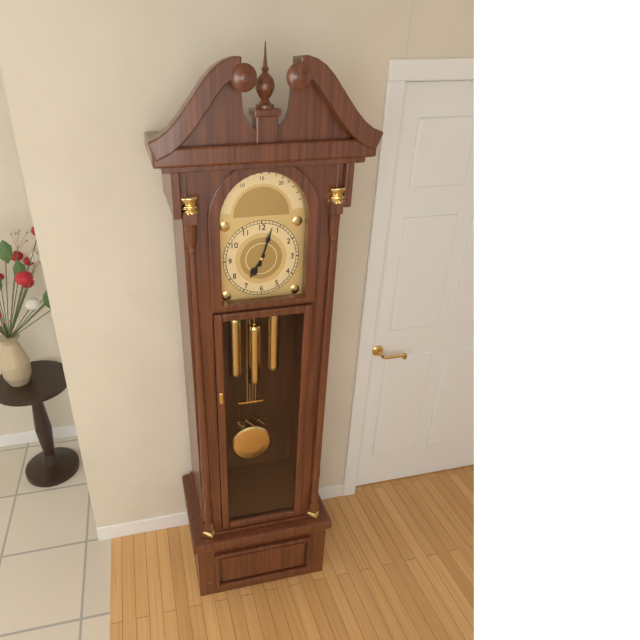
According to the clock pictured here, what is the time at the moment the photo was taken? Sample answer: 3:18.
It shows 7:03
